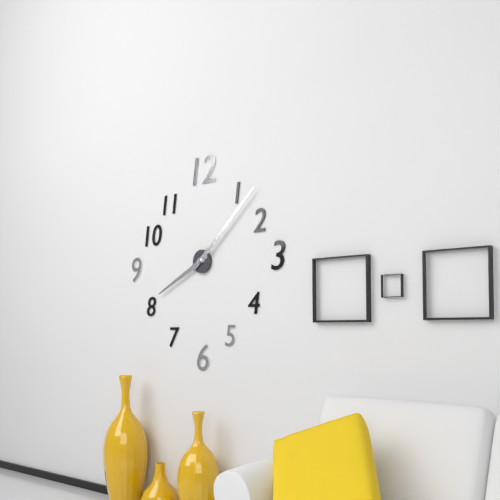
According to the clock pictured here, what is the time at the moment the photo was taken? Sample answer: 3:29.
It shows 8:08
